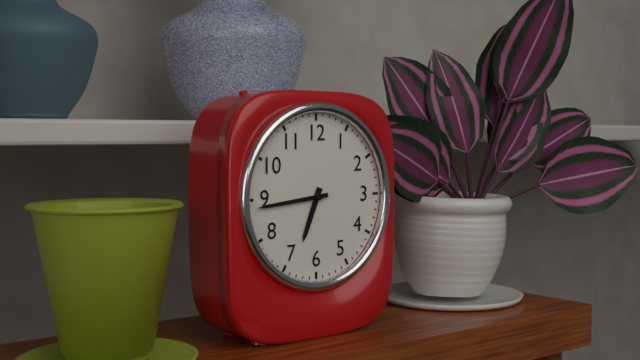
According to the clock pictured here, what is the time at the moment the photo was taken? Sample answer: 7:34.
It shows 6:44
